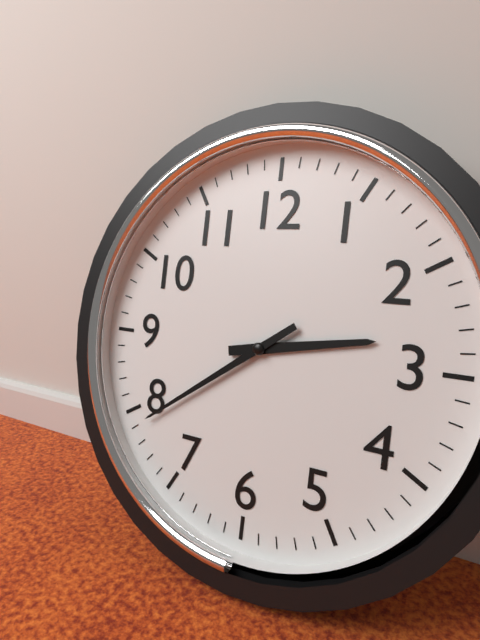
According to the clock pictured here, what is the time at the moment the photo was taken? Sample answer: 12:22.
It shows 2:39
